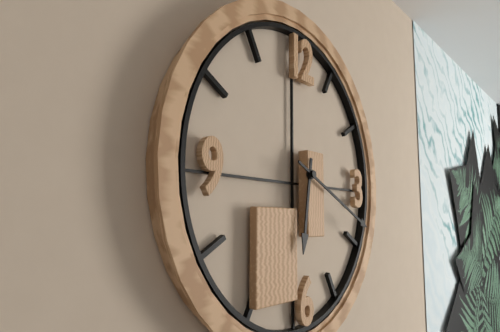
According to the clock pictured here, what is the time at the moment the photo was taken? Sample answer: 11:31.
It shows 6:19
